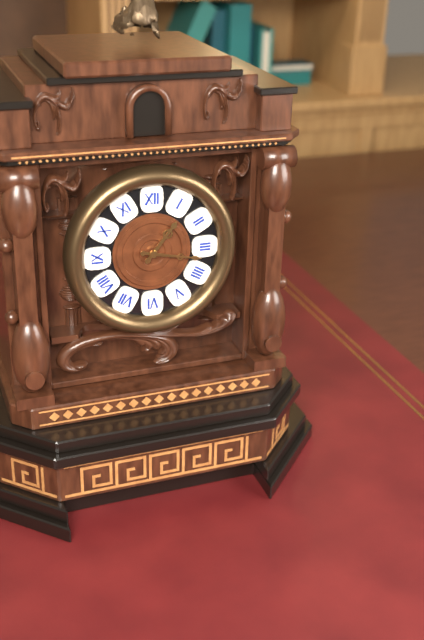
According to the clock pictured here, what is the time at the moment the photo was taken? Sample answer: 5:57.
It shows 1:17
